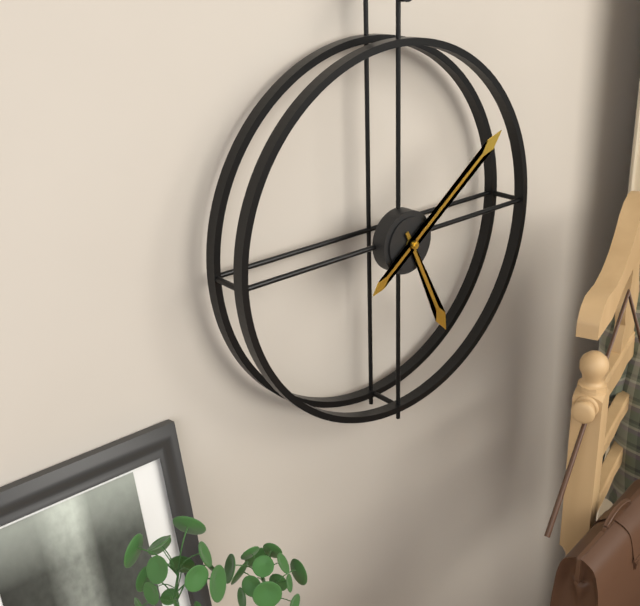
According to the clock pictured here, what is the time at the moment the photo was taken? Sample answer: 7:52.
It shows 5:09
